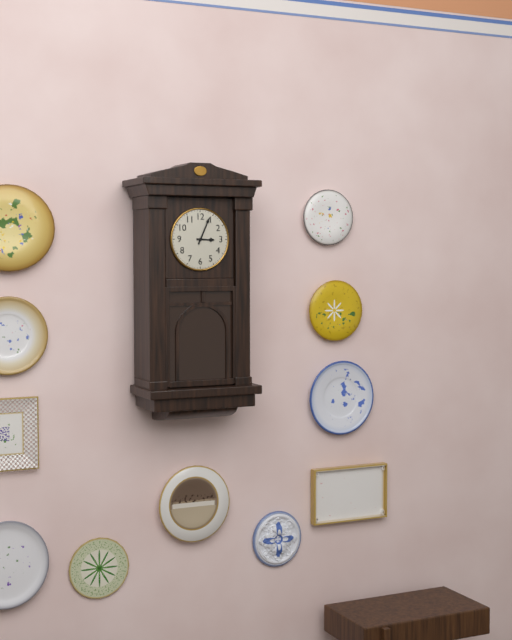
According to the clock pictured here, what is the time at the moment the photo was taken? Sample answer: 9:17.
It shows 3:04
